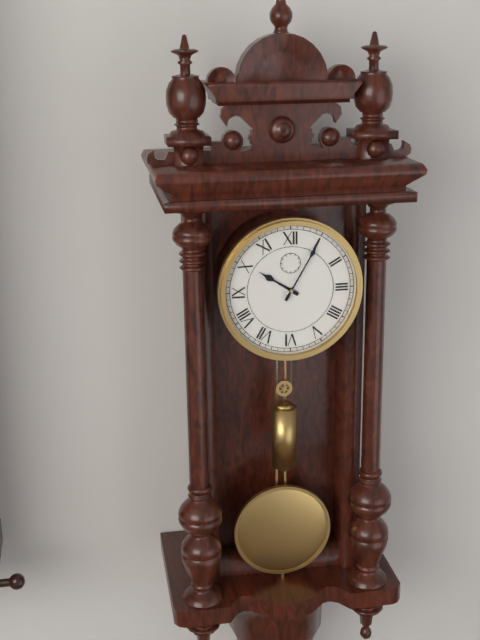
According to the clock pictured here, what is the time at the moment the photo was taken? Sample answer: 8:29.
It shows 10:05
